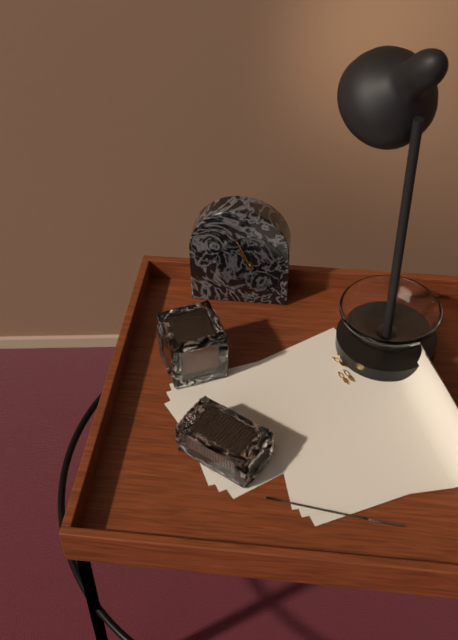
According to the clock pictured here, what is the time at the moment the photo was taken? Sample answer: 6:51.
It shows 10:56
